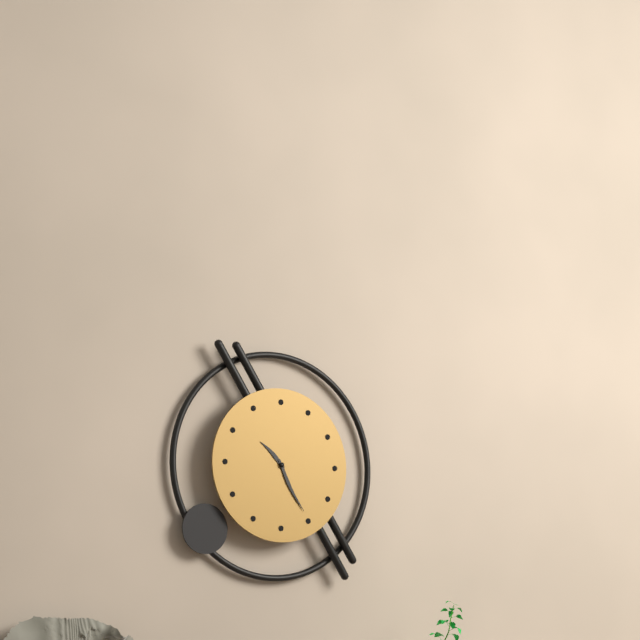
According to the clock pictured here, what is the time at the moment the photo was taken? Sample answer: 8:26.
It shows 10:25
